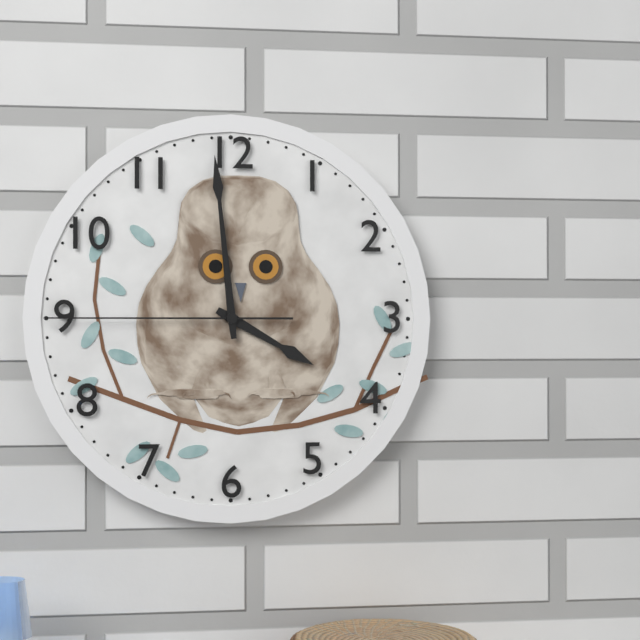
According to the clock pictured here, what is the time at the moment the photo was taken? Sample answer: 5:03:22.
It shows 3:59:45
